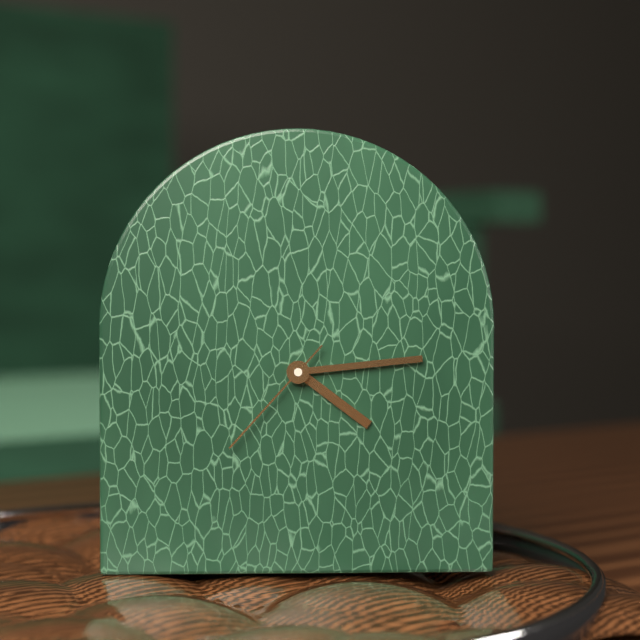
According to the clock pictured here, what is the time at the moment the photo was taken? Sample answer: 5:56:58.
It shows 4:14:37
